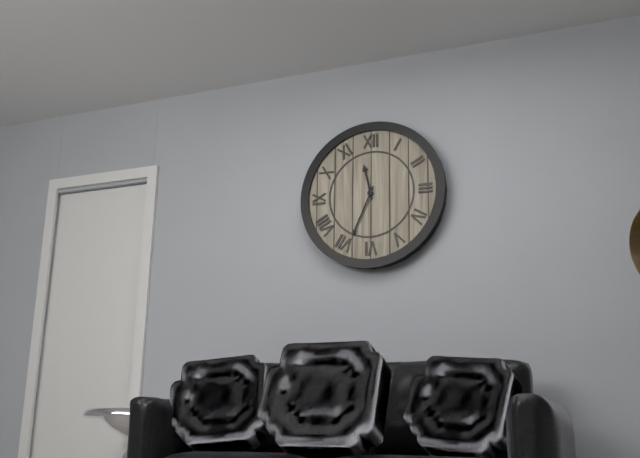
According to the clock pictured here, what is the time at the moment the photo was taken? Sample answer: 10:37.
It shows 11:34
